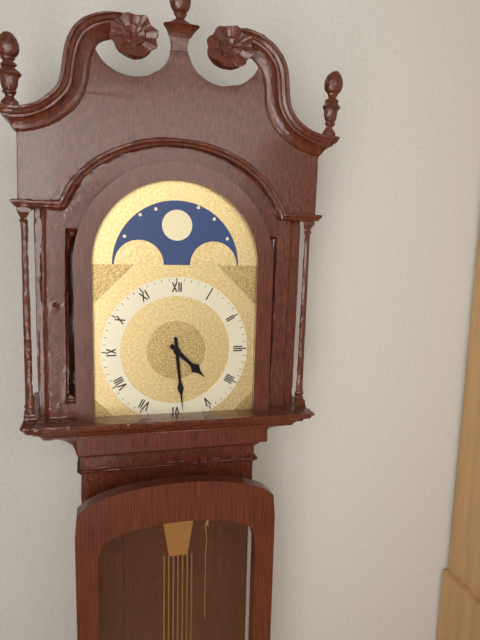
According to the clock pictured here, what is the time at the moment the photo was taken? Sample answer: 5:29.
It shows 4:29
